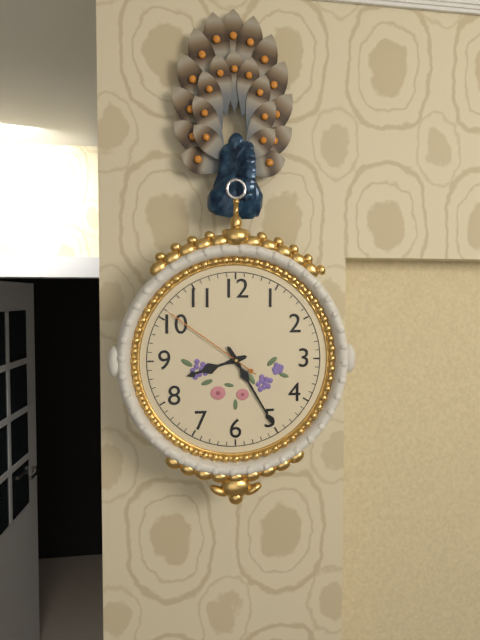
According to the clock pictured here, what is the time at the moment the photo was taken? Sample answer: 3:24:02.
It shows 8:25:51
